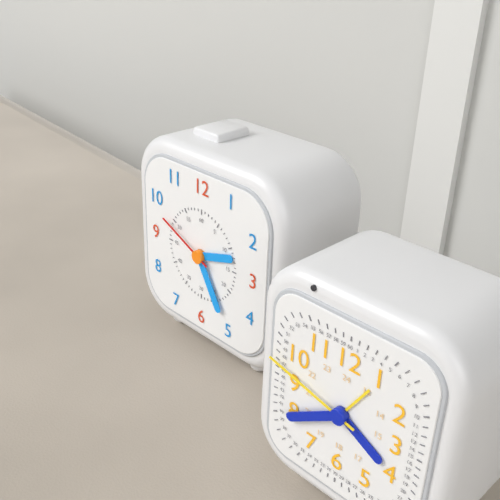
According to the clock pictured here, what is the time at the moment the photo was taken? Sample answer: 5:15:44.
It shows 2:25:49
